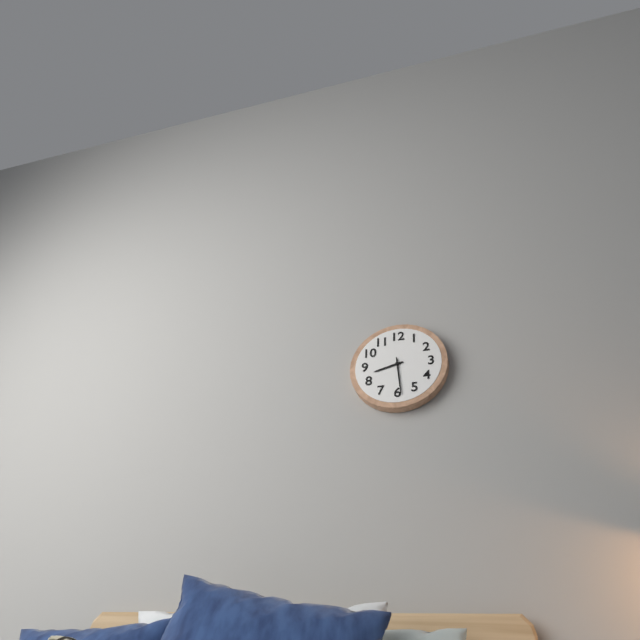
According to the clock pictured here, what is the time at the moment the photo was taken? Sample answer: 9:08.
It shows 8:29
